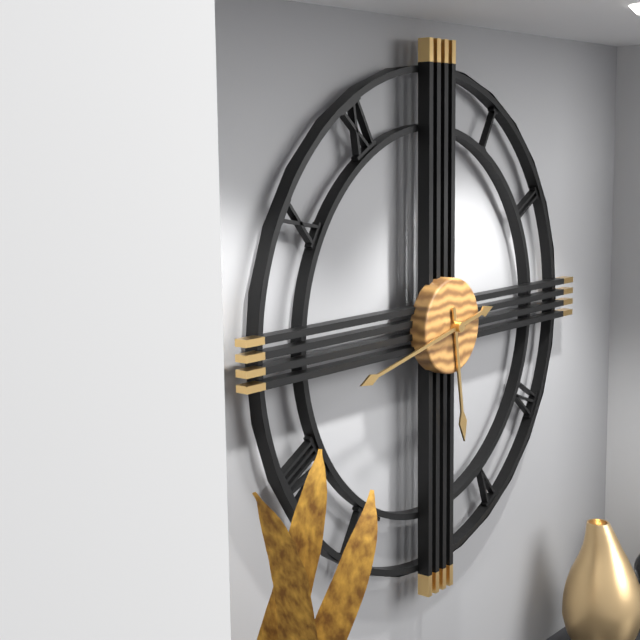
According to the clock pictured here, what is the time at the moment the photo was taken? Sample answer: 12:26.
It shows 5:43
